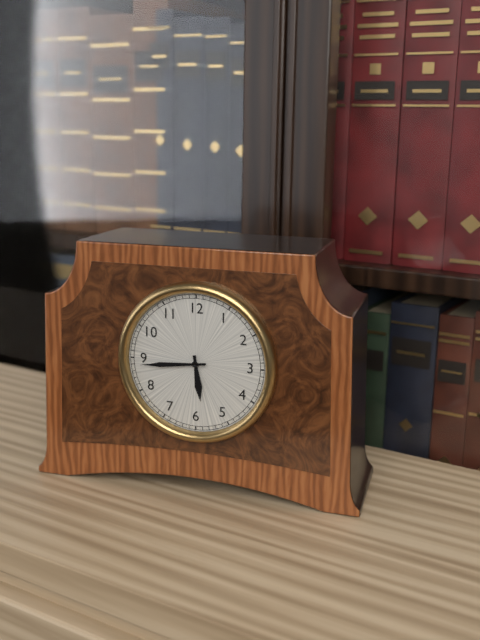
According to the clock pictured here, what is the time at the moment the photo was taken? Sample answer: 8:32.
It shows 5:44
